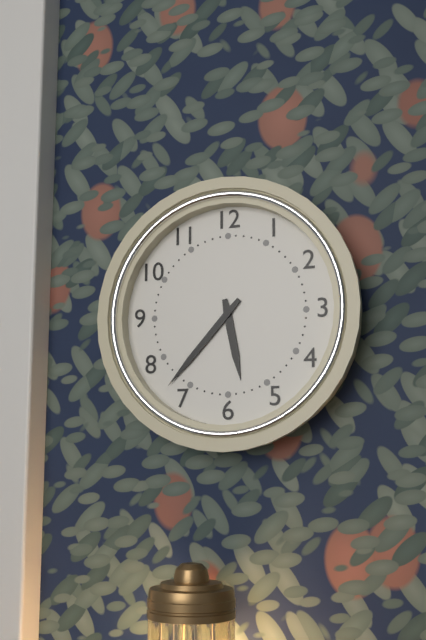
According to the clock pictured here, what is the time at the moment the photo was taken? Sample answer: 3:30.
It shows 5:37
